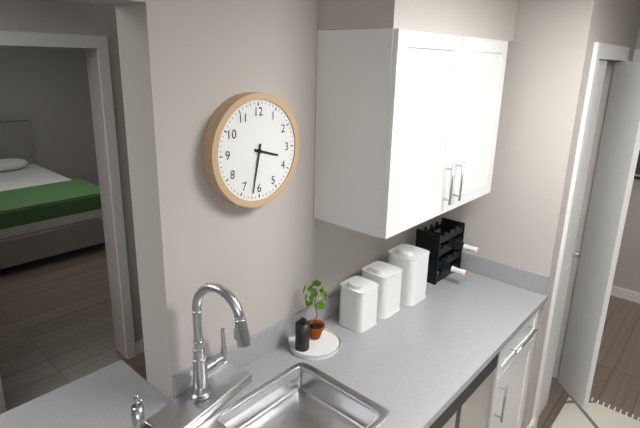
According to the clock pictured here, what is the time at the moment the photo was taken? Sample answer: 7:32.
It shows 3:32
